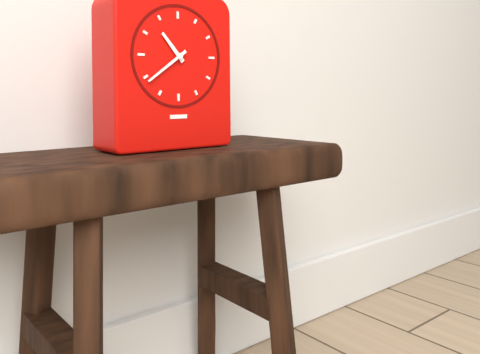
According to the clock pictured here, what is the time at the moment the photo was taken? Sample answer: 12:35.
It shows 10:39
